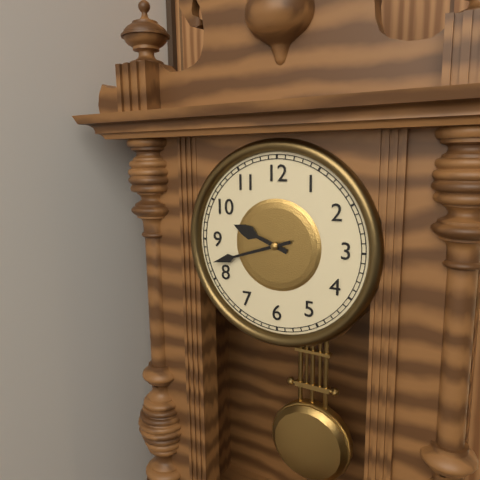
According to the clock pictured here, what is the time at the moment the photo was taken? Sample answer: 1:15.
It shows 9:42
